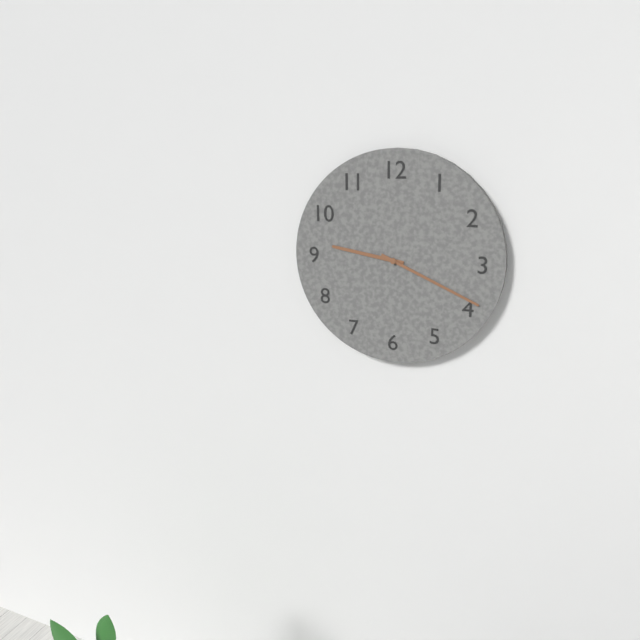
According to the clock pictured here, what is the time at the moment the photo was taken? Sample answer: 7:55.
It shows 9:19
